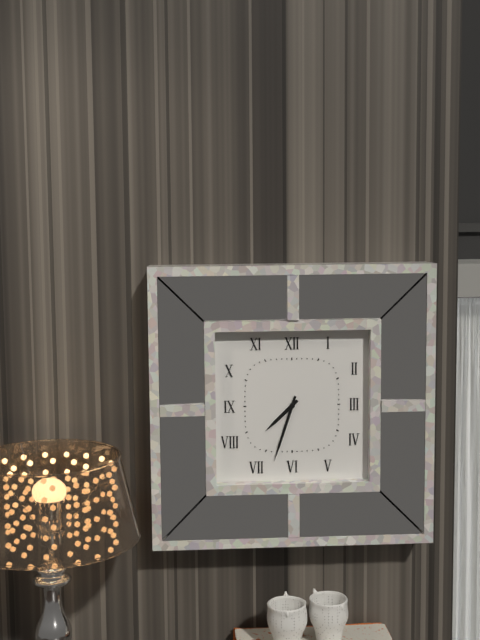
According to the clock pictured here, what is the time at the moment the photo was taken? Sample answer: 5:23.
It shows 7:33
